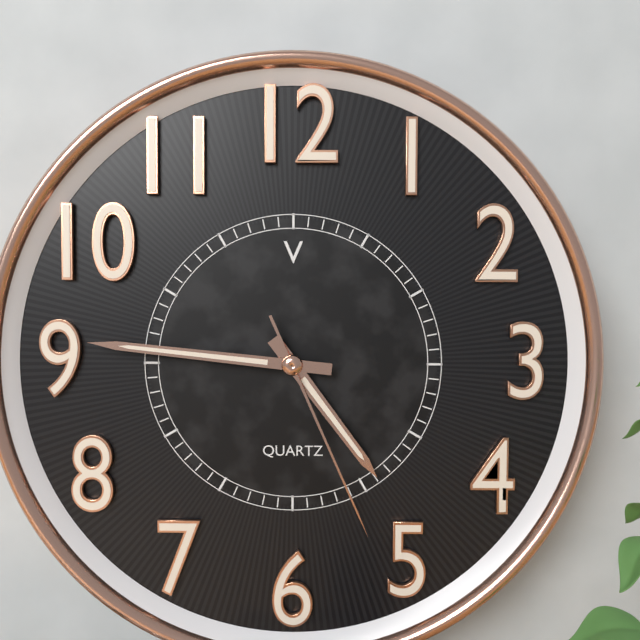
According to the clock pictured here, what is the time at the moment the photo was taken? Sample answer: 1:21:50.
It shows 4:46:26
